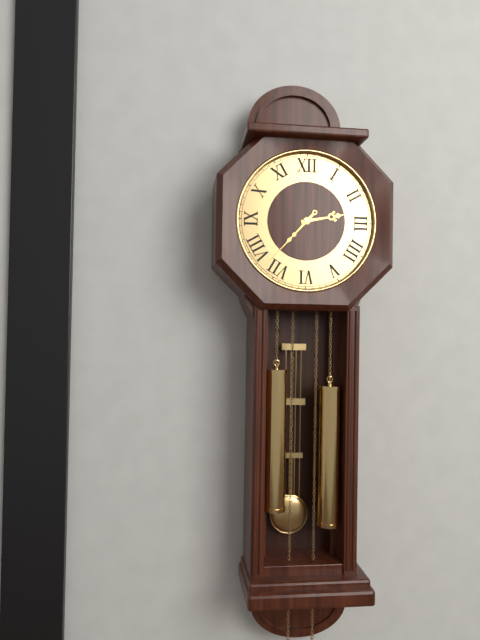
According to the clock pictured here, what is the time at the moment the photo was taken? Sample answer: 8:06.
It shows 2:37
